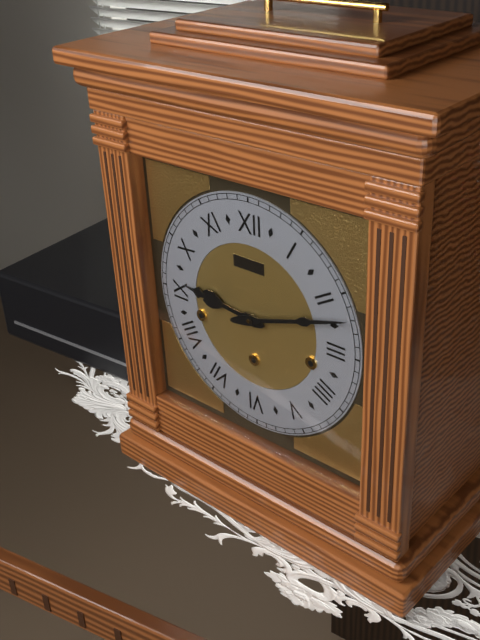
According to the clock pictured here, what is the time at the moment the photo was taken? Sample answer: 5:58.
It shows 9:12
